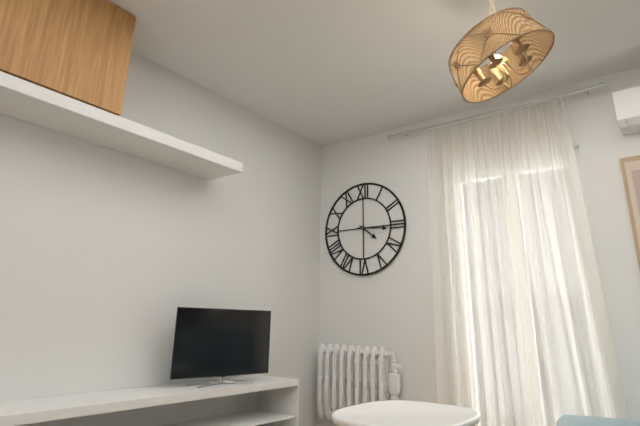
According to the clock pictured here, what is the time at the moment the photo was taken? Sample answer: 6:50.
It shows 4:16
